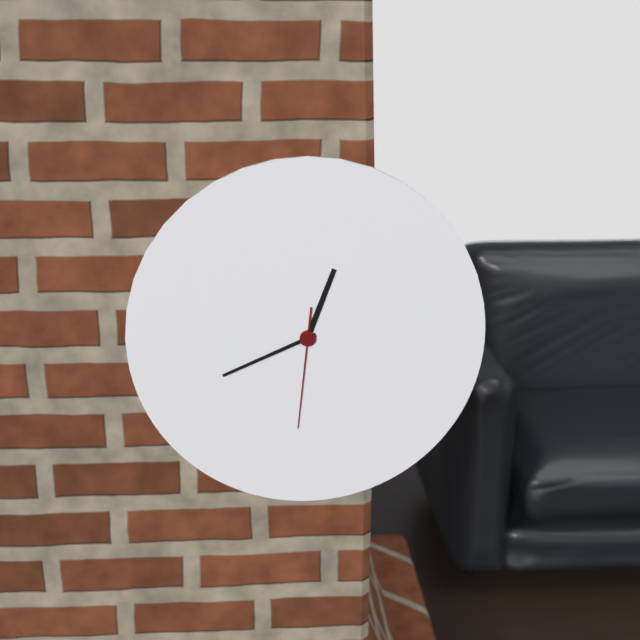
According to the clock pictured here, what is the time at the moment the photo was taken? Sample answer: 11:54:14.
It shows 12:41:31
